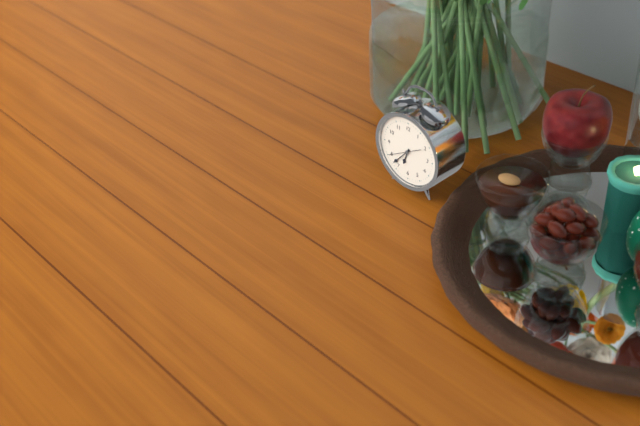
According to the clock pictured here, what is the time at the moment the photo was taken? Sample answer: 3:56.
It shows 6:37
